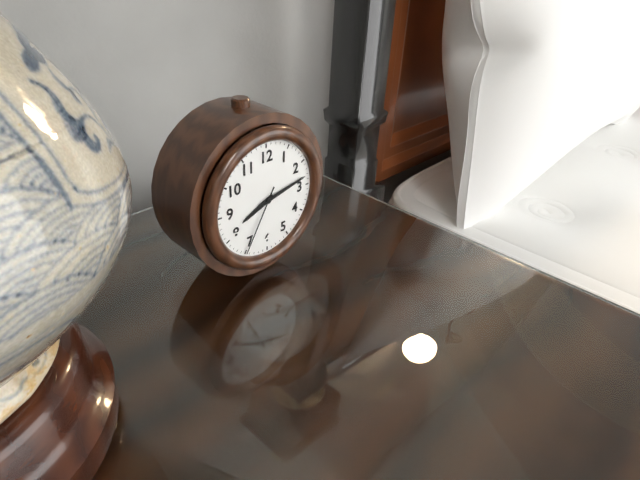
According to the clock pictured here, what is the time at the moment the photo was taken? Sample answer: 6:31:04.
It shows 8:13:35
